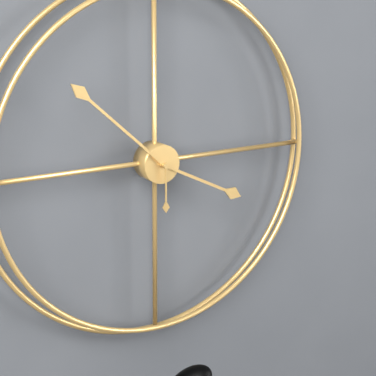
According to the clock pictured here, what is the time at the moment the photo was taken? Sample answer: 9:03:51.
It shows 3:52:30
